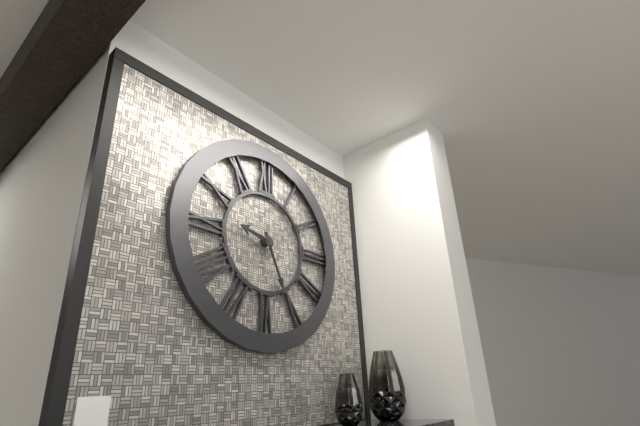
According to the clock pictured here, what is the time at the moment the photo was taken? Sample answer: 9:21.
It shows 9:26
